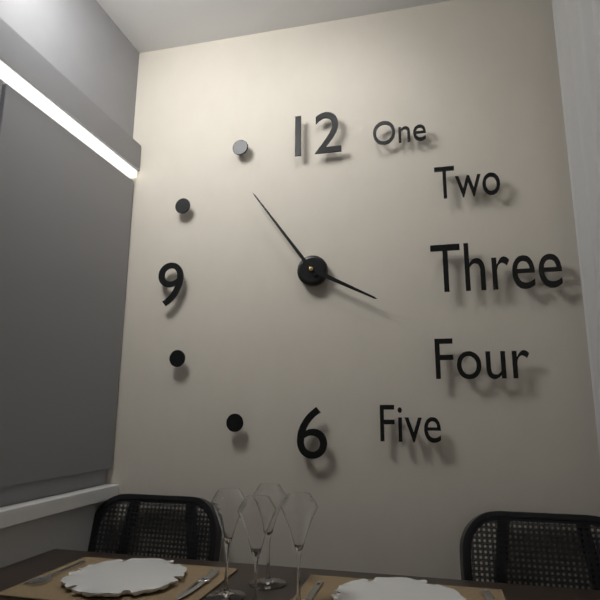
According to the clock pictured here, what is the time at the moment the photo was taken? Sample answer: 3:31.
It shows 3:54
